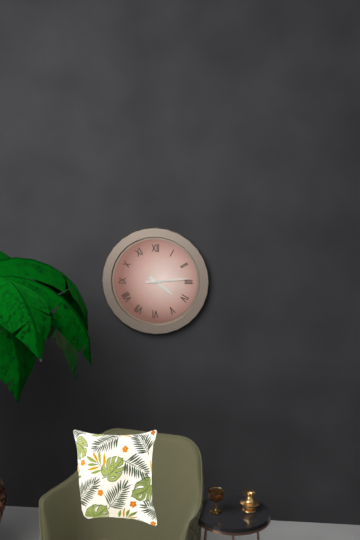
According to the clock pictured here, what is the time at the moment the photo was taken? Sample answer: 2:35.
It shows 4:14
